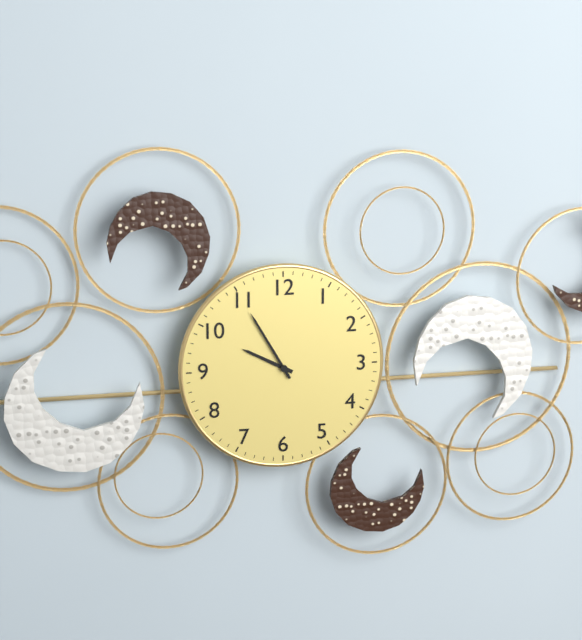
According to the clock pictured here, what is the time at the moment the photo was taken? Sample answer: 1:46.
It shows 9:55
